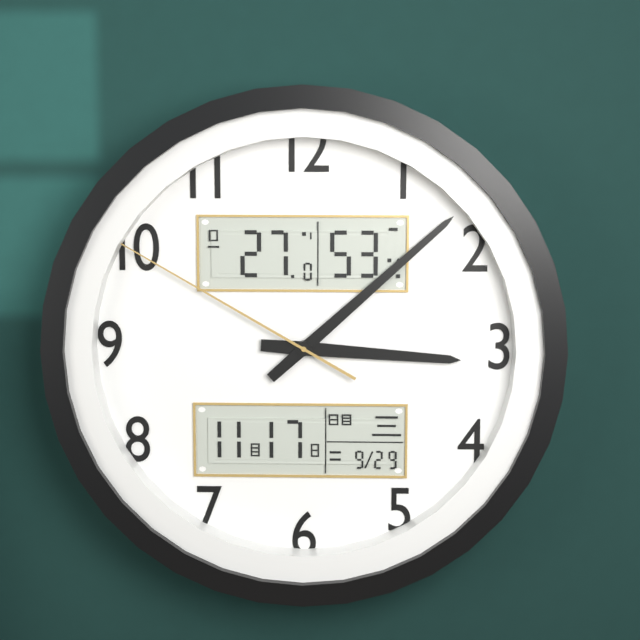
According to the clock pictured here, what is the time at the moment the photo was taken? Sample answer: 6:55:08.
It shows 3:08:50
